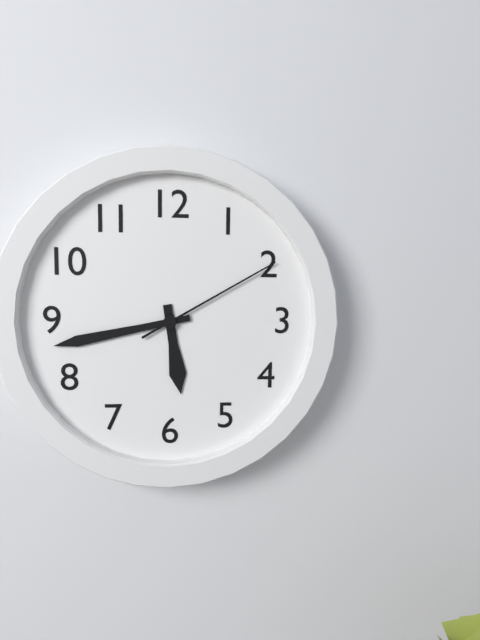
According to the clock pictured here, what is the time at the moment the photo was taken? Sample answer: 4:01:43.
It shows 5:43:10
